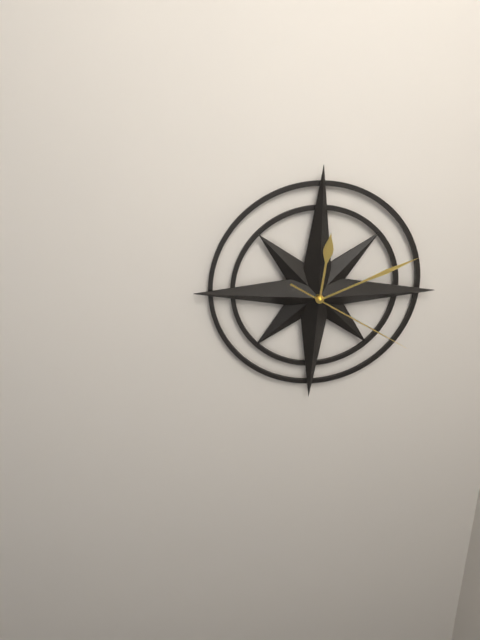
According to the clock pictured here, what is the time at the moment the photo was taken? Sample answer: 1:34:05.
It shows 12:11:20
